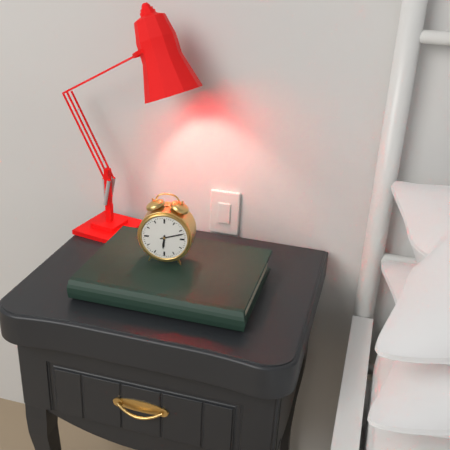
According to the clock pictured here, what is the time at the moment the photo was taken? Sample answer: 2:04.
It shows 6:12
